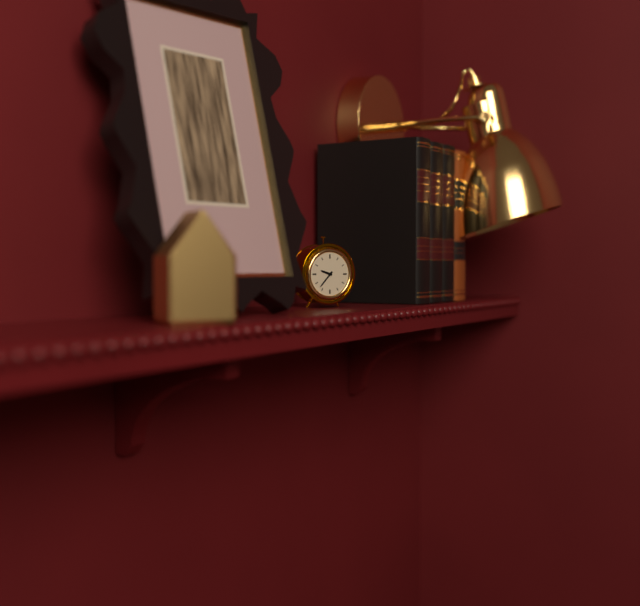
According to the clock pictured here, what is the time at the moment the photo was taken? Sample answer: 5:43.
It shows 9:37
